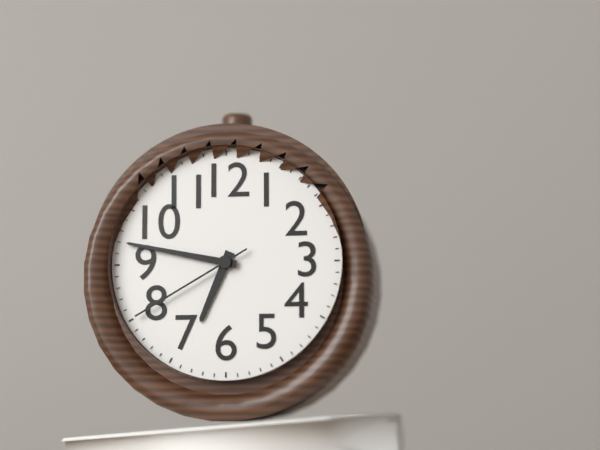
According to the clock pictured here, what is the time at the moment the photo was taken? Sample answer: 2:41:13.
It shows 6:47:40
